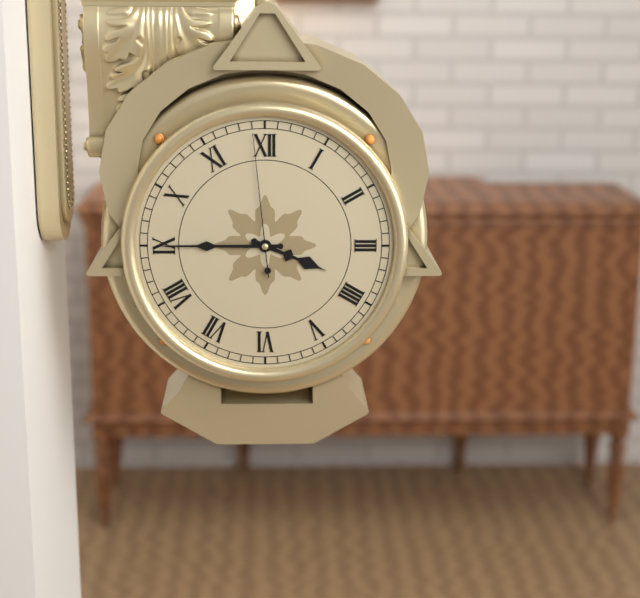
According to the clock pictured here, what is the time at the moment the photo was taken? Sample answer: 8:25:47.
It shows 3:45:59
